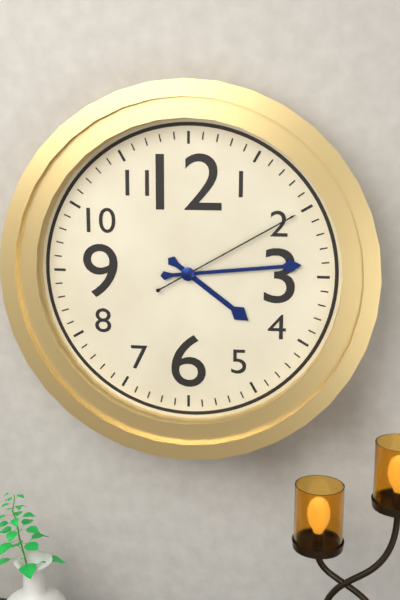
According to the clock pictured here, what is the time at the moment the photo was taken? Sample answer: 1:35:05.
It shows 4:14:10
